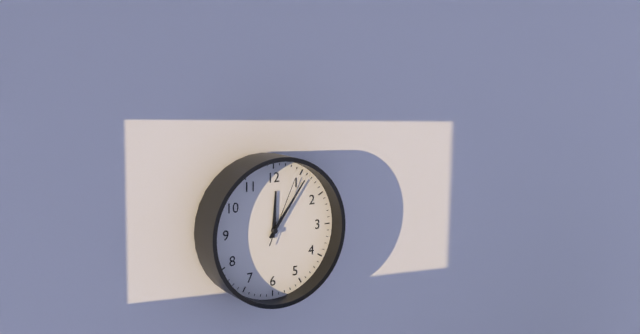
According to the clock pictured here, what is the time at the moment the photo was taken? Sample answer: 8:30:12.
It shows 12:06:04
